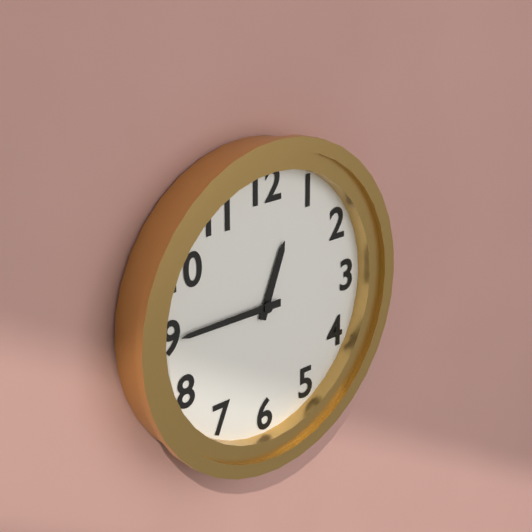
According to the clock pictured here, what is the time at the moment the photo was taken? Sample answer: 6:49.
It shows 12:45
